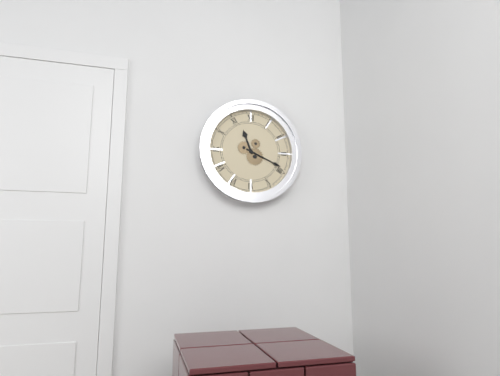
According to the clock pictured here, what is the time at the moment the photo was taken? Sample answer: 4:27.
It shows 11:19
